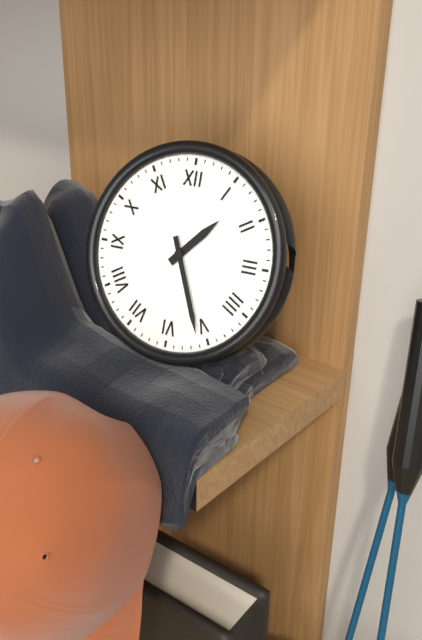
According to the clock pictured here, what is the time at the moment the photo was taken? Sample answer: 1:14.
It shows 1:26
